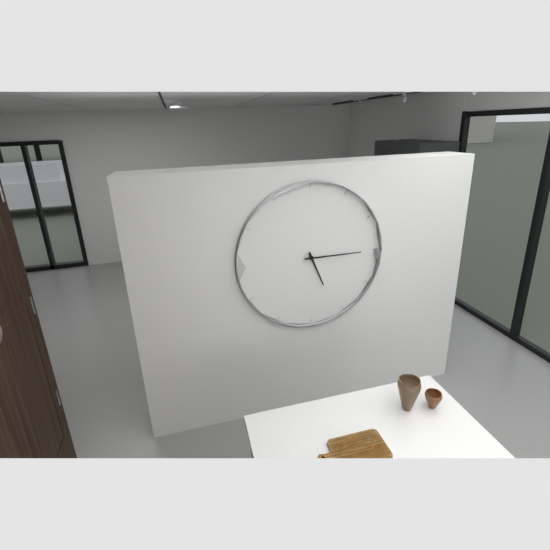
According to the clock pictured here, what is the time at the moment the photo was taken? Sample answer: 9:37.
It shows 5:15
